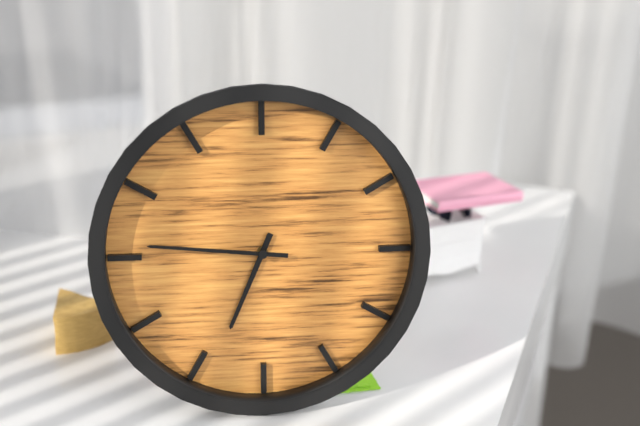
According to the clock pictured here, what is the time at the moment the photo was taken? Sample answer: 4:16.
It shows 6:46
